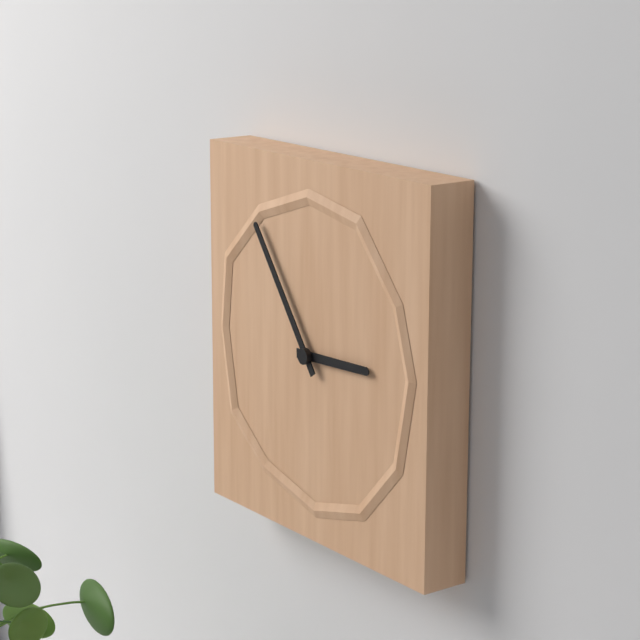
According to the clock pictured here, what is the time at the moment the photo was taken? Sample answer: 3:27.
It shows 2:54
